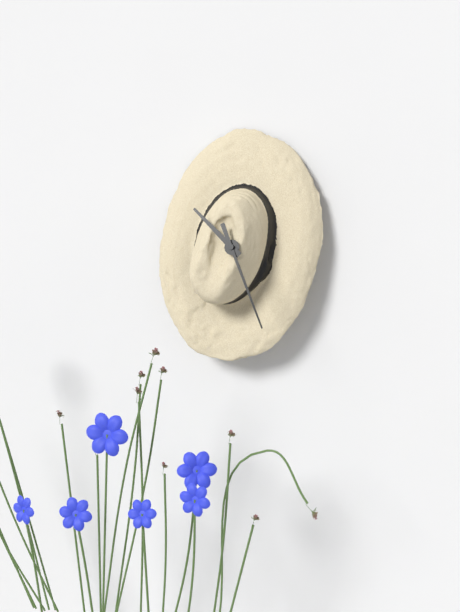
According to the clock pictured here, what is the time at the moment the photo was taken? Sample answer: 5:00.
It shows 10:26
